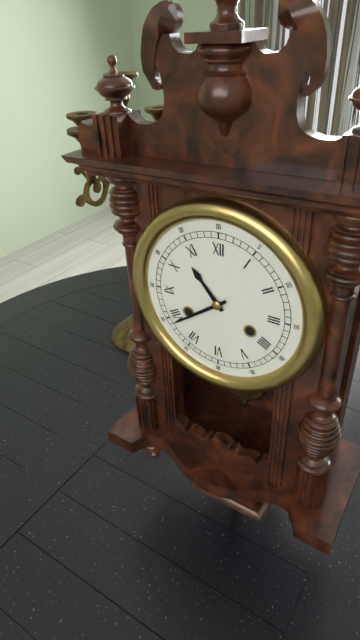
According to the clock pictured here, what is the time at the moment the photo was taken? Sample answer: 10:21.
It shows 10:39
